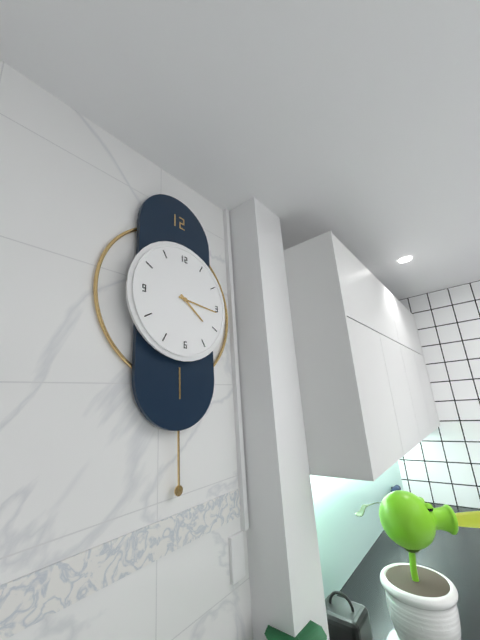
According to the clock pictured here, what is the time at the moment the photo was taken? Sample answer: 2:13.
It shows 4:16
